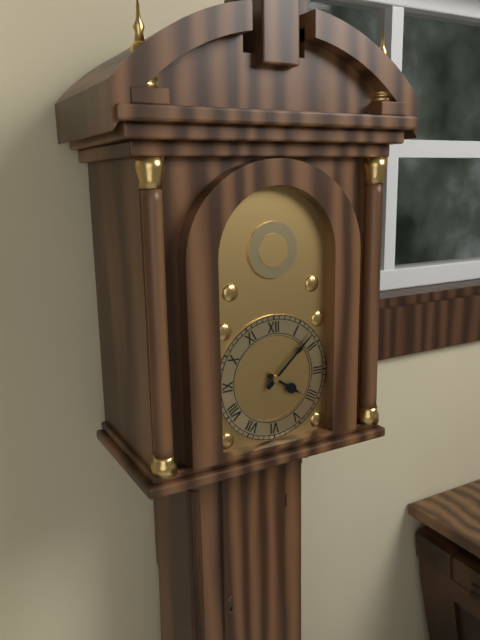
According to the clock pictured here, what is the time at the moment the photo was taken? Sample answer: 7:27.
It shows 4:08
